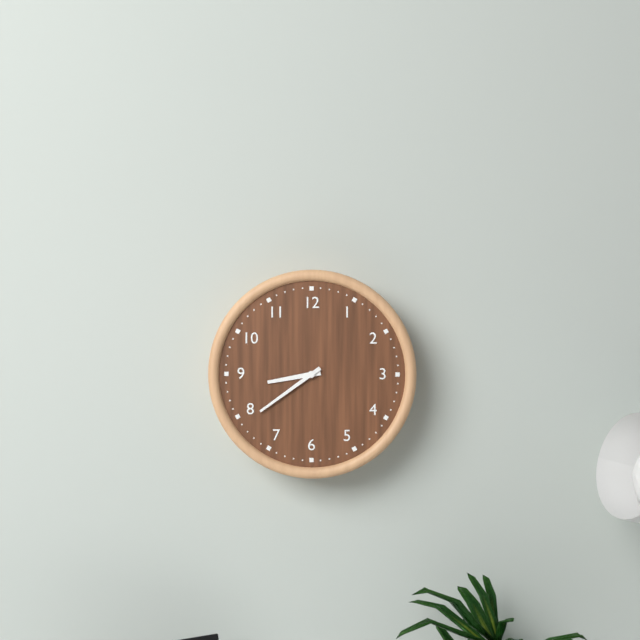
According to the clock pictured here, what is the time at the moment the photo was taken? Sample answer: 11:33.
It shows 8:39
